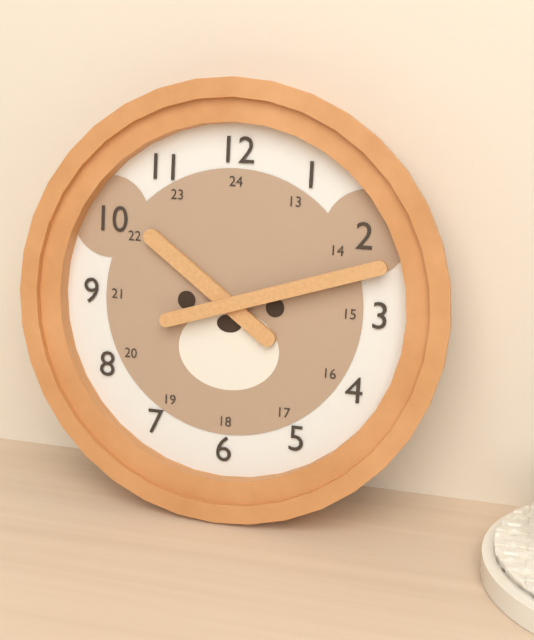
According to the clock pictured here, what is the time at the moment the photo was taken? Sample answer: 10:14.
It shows 10:12
